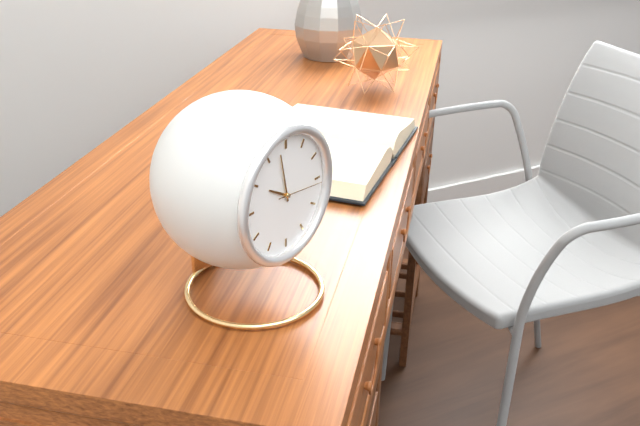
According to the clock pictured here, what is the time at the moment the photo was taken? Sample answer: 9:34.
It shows 9:58
